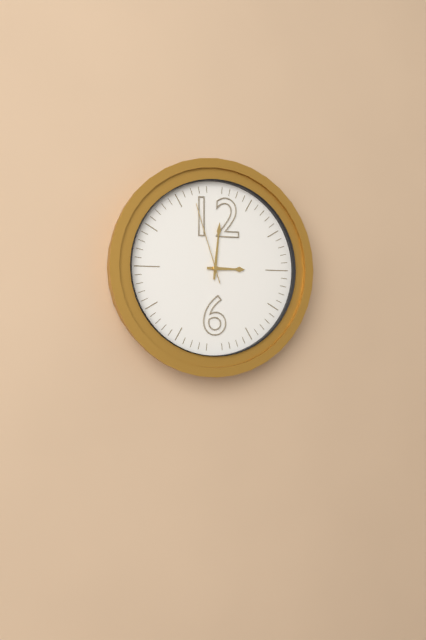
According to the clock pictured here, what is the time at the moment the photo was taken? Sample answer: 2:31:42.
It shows 3:01:57
